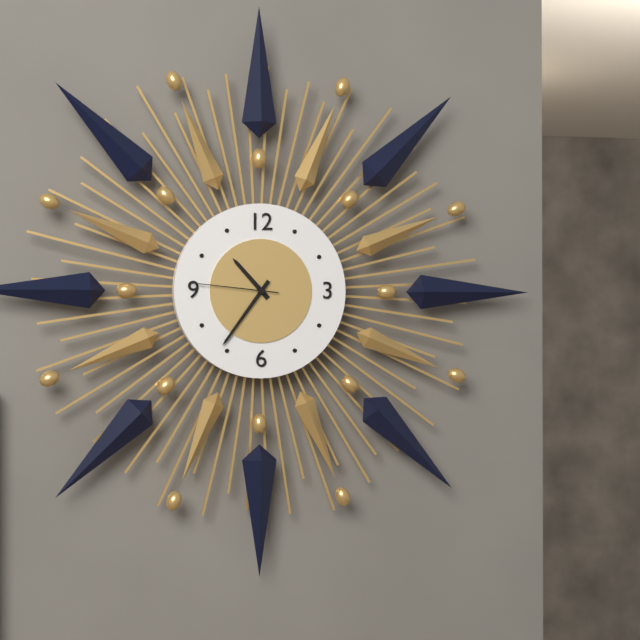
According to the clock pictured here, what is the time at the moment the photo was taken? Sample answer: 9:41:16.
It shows 10:36:46
